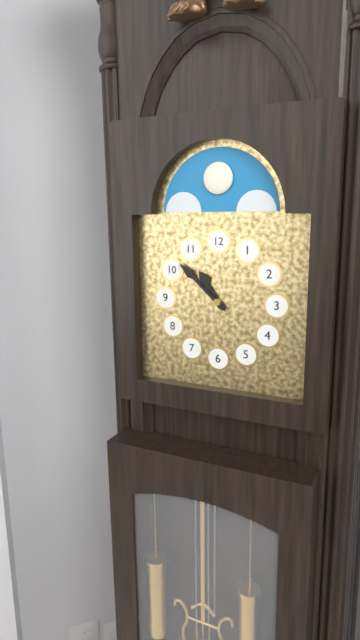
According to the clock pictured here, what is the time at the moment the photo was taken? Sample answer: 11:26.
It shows 10:52
